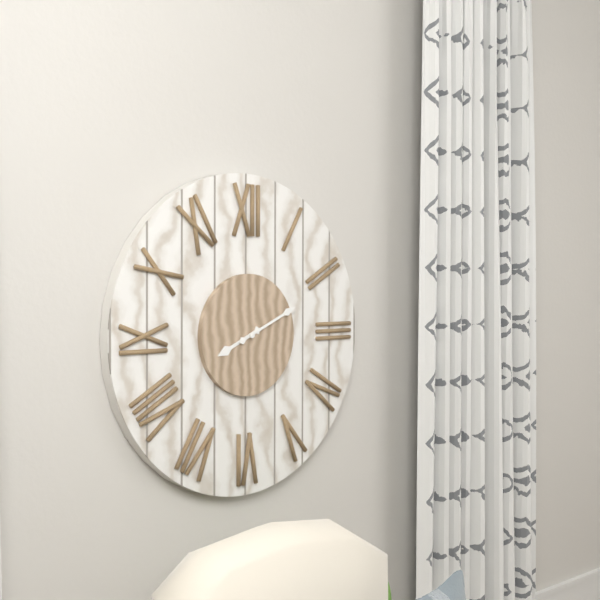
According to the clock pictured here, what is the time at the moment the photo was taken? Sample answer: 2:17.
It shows 8:11
